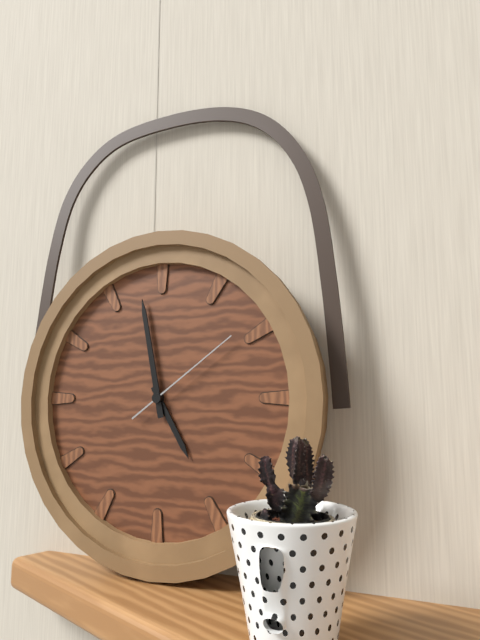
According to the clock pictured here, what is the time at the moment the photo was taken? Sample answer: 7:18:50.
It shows 4:58:09
